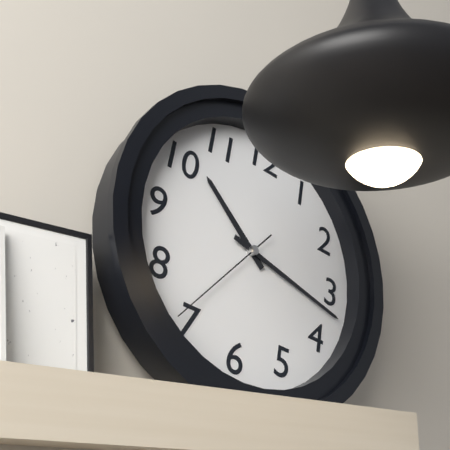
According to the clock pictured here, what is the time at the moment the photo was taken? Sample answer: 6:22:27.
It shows 10:17:36
